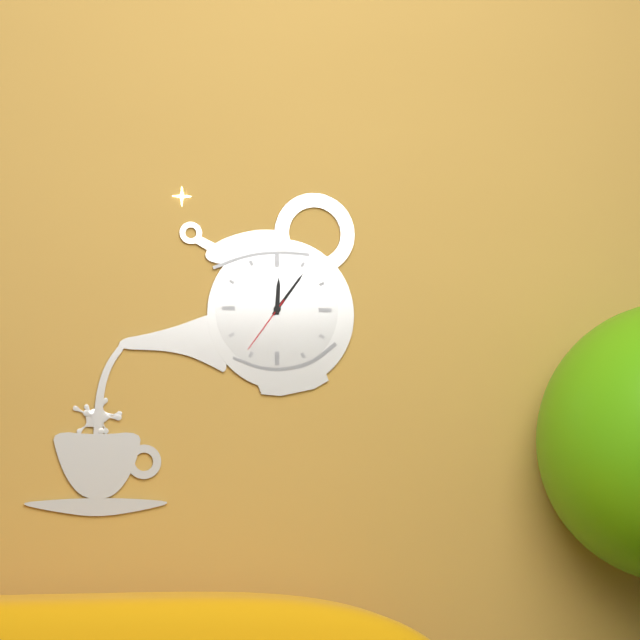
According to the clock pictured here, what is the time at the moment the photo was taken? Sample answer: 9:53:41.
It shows 12:06:36
